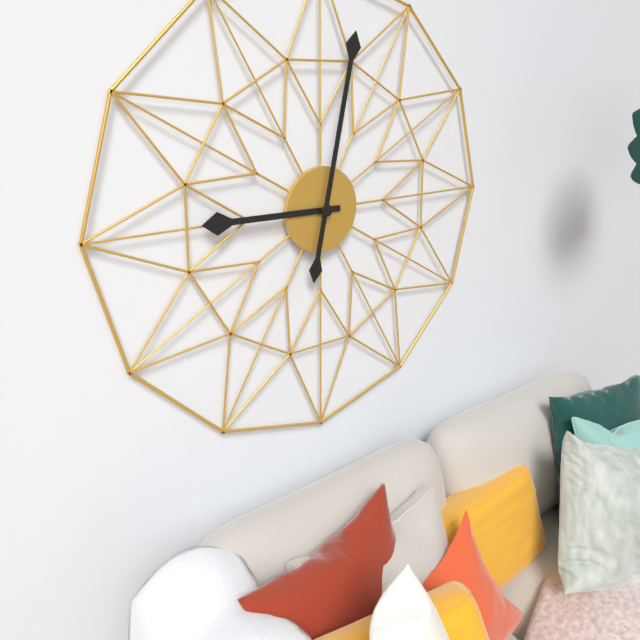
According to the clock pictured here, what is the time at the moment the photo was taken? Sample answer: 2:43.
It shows 9:02
